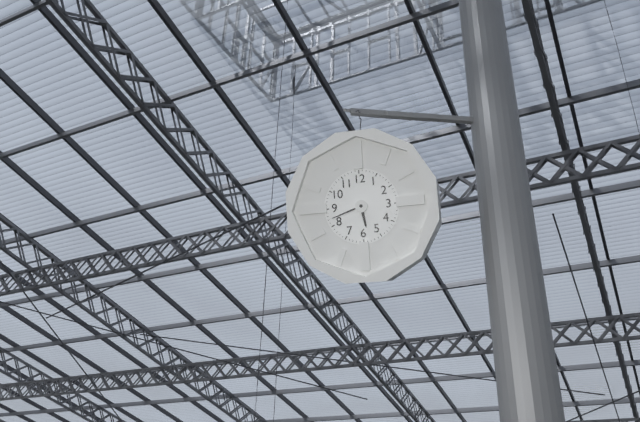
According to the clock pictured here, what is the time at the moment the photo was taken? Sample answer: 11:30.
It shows 5:42
